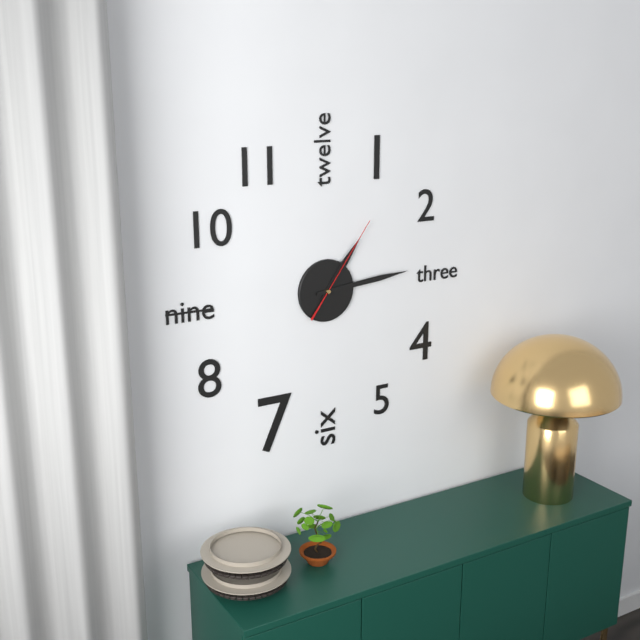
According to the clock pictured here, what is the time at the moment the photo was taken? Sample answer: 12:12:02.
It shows 1:14:06
